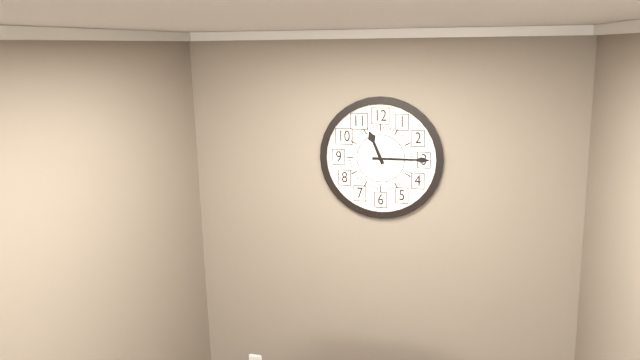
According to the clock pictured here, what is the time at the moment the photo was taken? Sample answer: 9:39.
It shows 11:15
